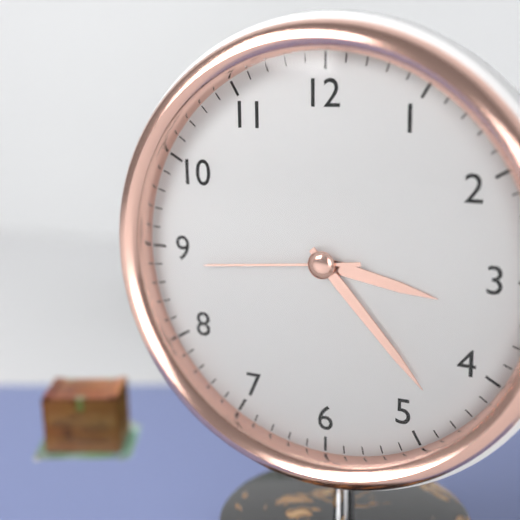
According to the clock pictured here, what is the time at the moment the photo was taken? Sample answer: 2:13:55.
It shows 3:23:44
